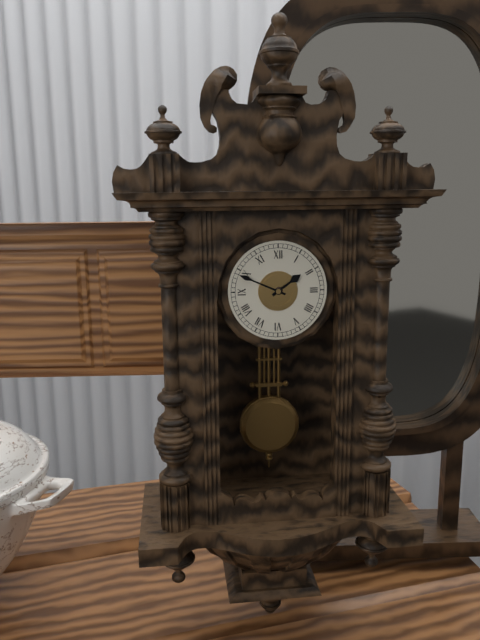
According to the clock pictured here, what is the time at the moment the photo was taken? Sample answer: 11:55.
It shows 1:49
